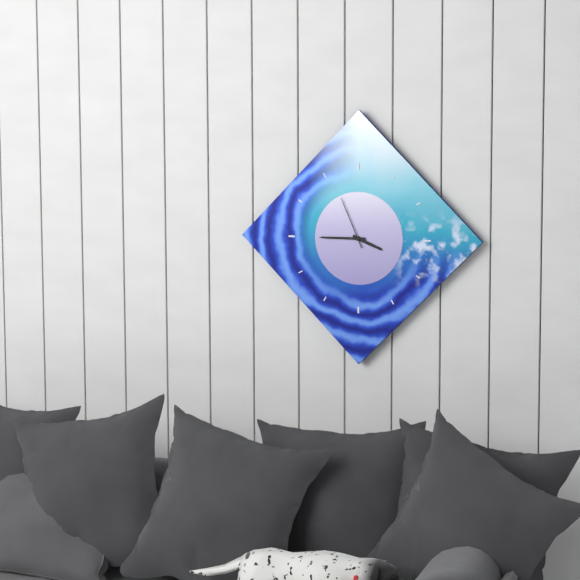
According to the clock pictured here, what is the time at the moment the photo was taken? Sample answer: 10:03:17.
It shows 3:45:56
